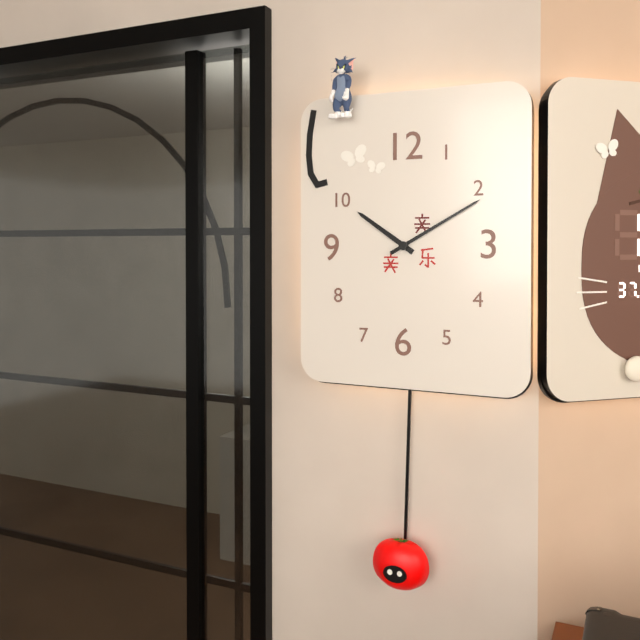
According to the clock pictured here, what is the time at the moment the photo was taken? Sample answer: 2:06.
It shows 10:10
